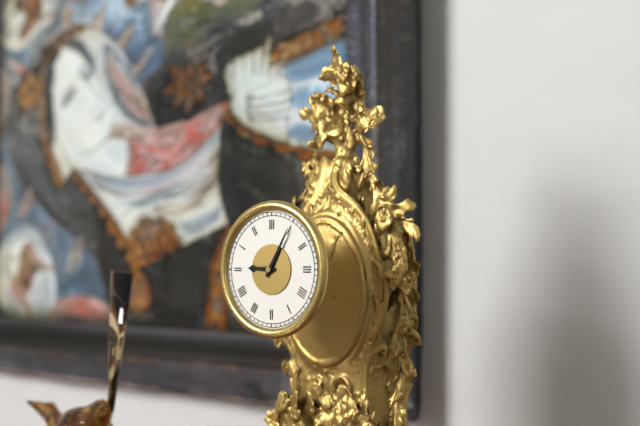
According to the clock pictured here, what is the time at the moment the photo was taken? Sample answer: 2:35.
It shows 9:05
